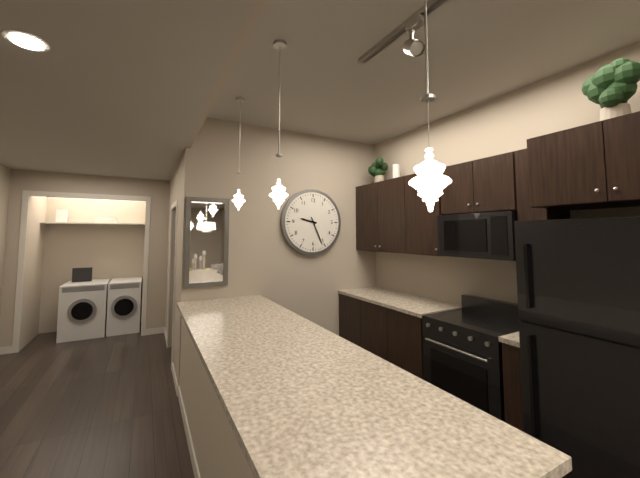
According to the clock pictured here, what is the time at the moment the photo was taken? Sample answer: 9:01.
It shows 9:26
